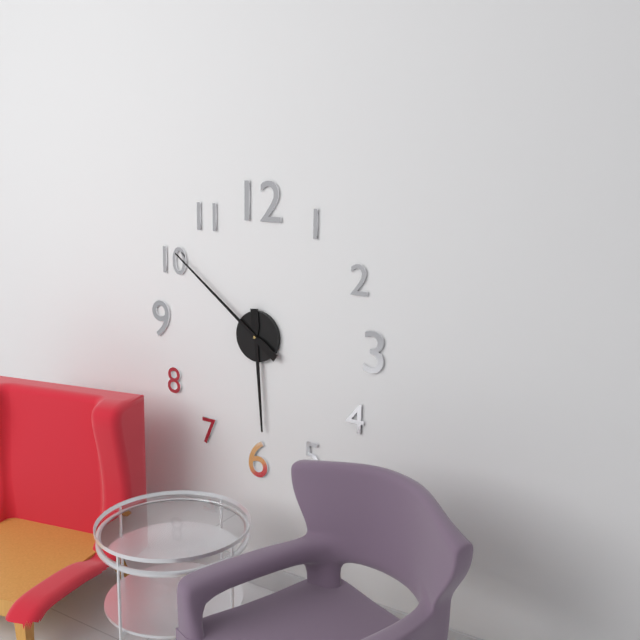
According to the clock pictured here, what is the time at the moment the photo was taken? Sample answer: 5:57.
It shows 5:51
